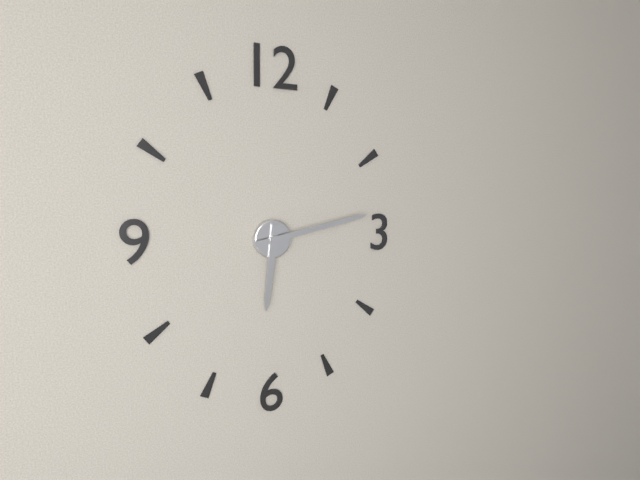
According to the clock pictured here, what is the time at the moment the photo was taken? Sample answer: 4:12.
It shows 6:13
